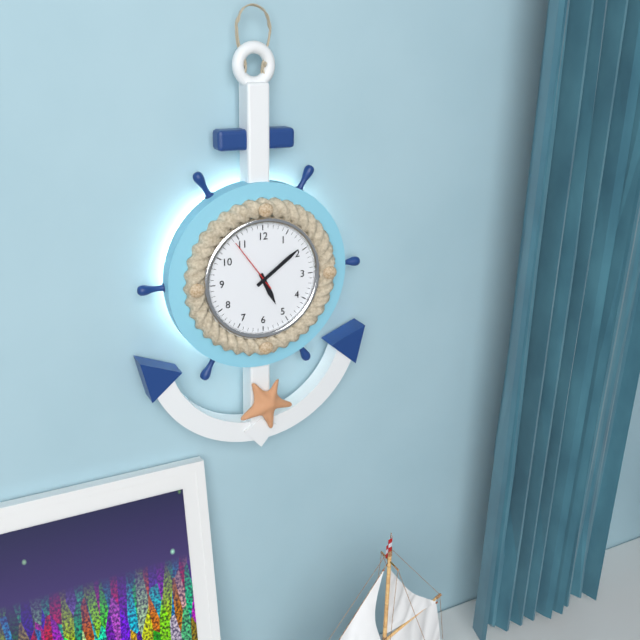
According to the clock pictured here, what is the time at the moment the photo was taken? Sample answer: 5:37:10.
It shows 5:09:54
